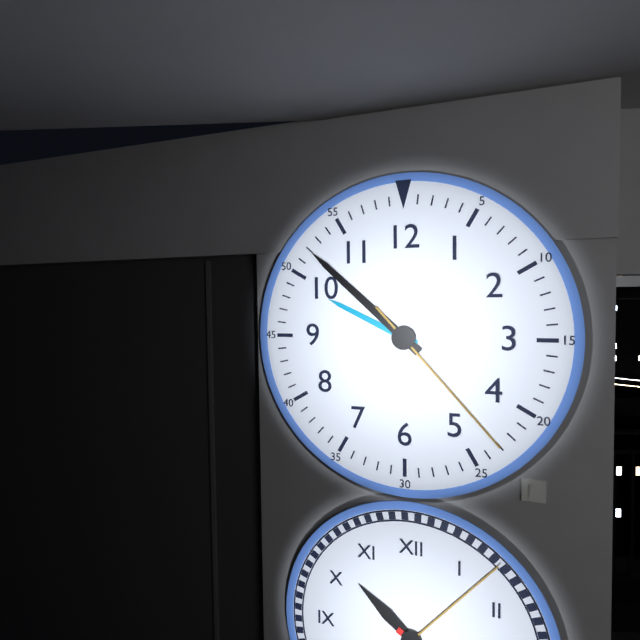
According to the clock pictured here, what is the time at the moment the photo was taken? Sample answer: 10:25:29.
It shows 9:52:23
